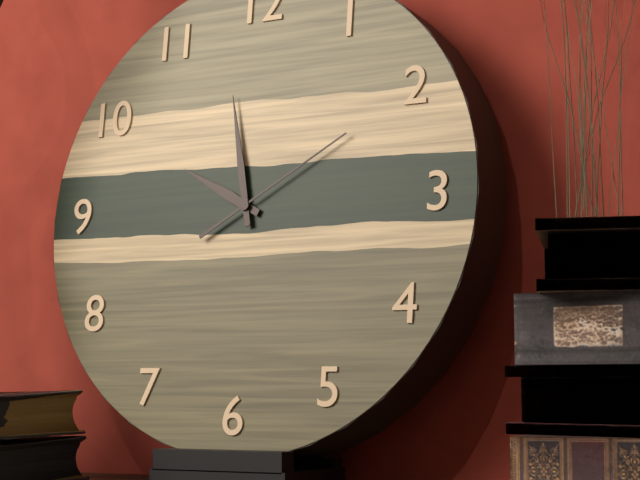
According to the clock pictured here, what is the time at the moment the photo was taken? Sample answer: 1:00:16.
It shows 9:58:10
